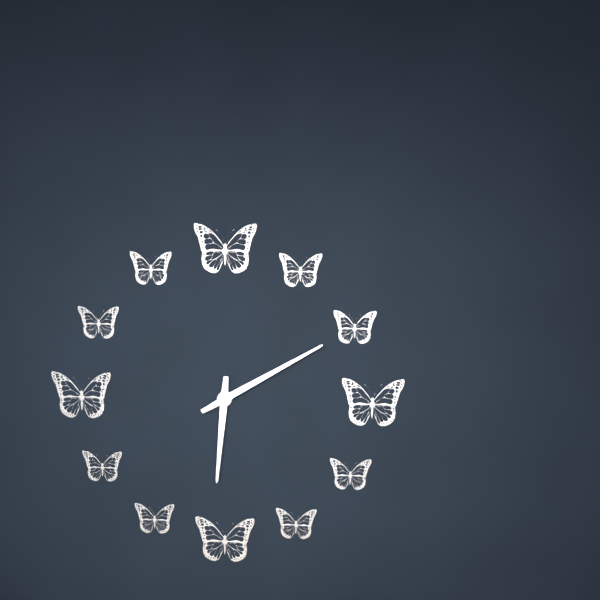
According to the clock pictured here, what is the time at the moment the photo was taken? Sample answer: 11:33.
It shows 6:10
